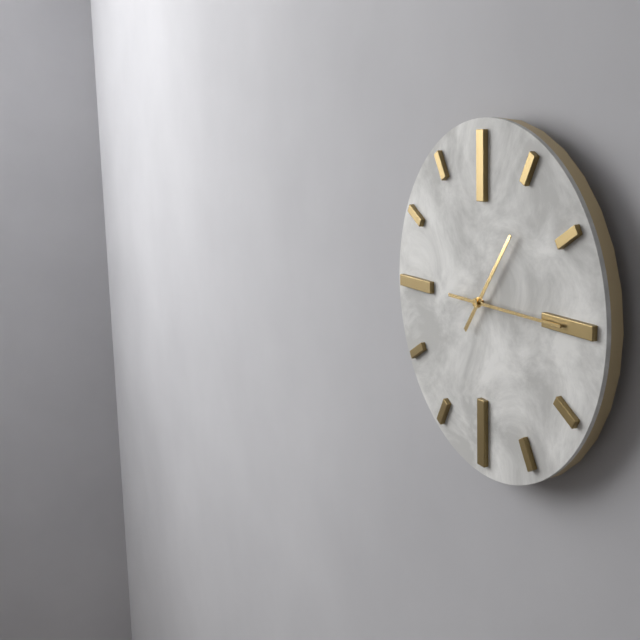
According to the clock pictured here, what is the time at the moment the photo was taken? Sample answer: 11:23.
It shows 1:15
